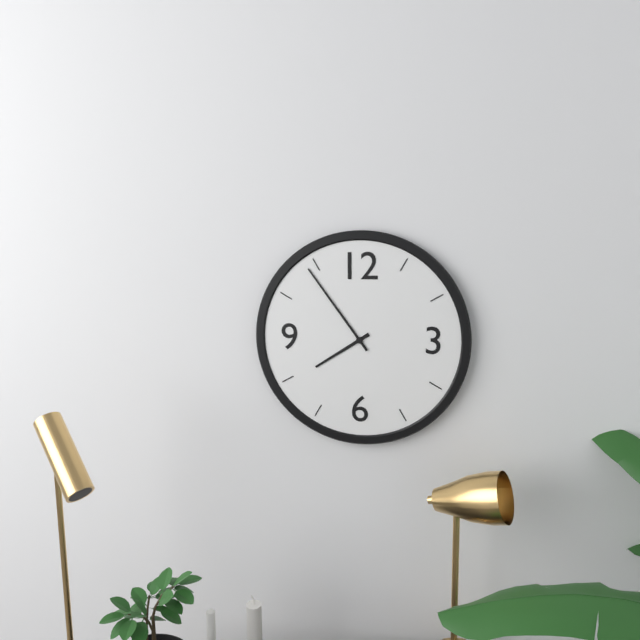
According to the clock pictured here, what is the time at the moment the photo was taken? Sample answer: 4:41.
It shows 7:54
